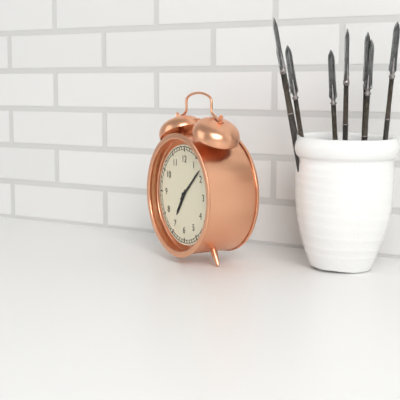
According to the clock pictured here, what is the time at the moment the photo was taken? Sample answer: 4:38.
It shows 7:08
